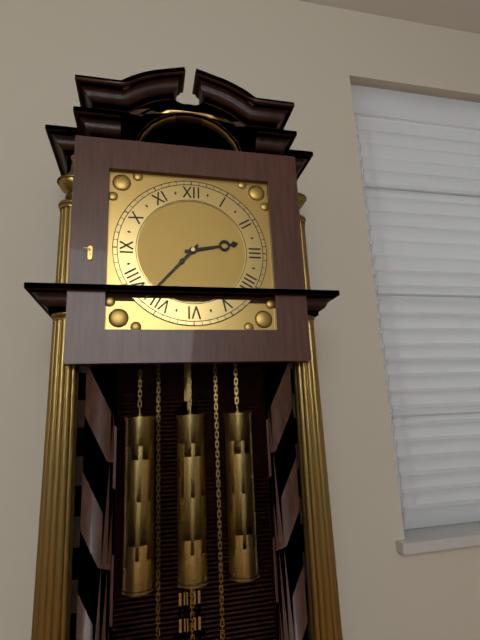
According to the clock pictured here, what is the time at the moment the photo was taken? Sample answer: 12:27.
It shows 2:37
